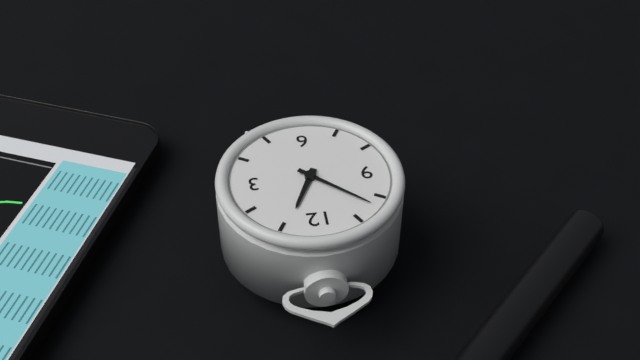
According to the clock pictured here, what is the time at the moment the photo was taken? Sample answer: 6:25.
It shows 12:52
